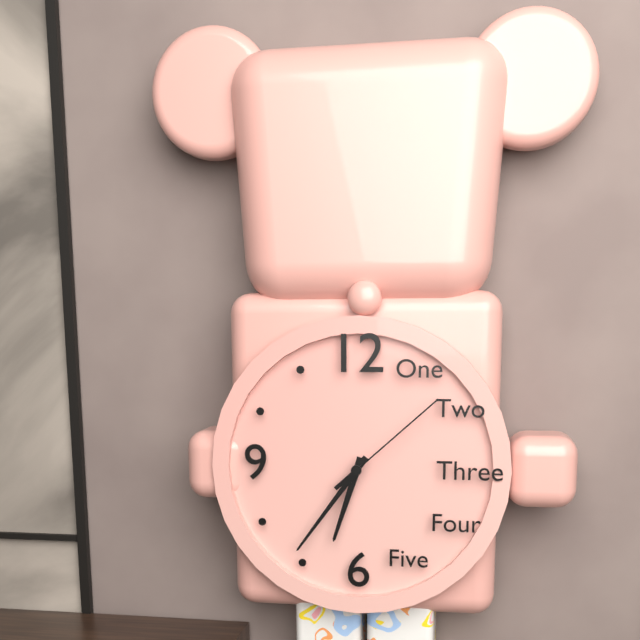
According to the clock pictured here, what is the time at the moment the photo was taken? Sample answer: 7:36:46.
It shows 6:36:08
